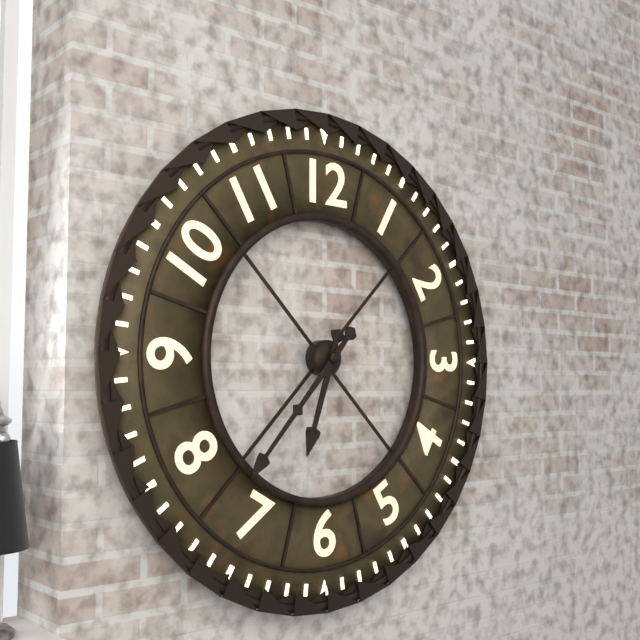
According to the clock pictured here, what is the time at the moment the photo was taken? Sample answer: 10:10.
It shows 6:37
